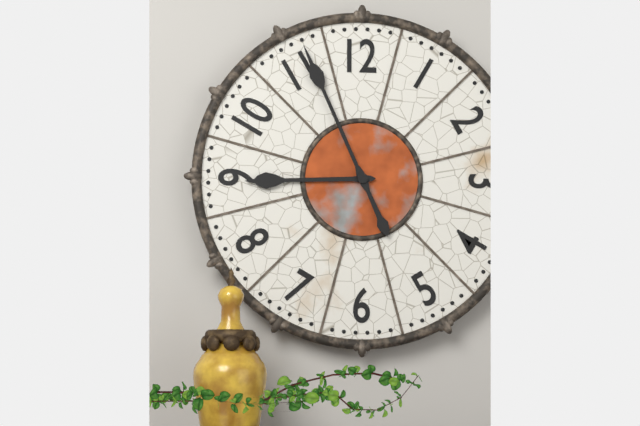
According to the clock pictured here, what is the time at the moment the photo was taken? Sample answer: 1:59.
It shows 8:56
